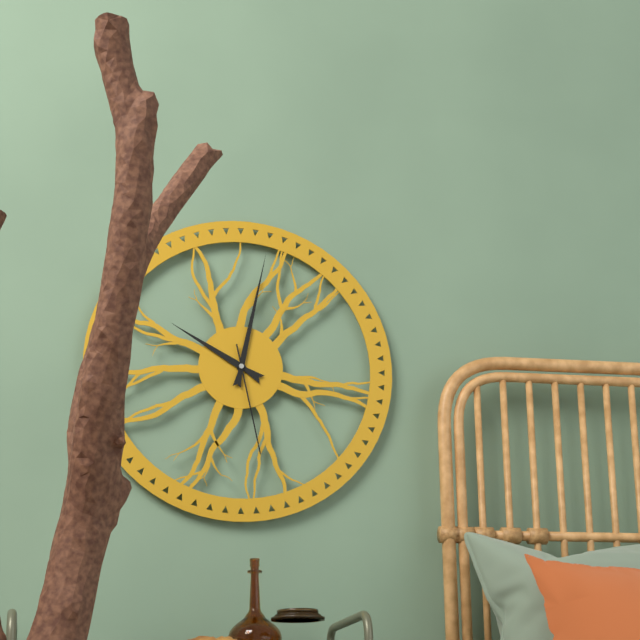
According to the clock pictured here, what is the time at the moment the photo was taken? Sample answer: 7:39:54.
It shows 10:02:28
